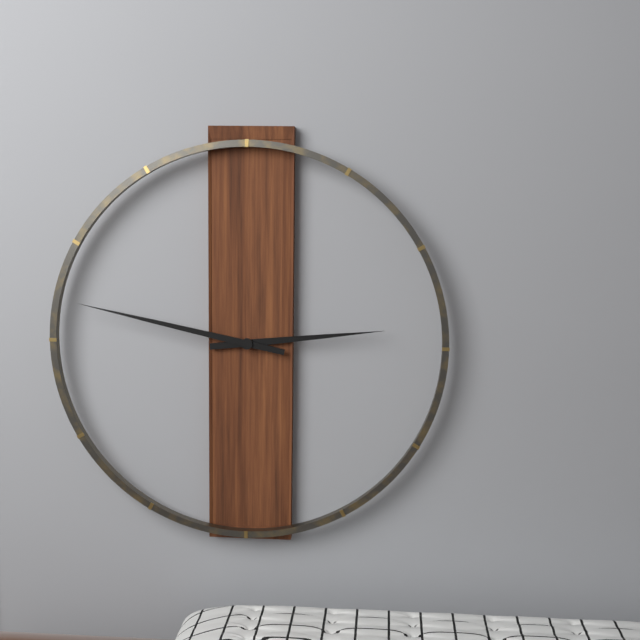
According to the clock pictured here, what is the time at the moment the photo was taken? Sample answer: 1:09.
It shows 2:47
